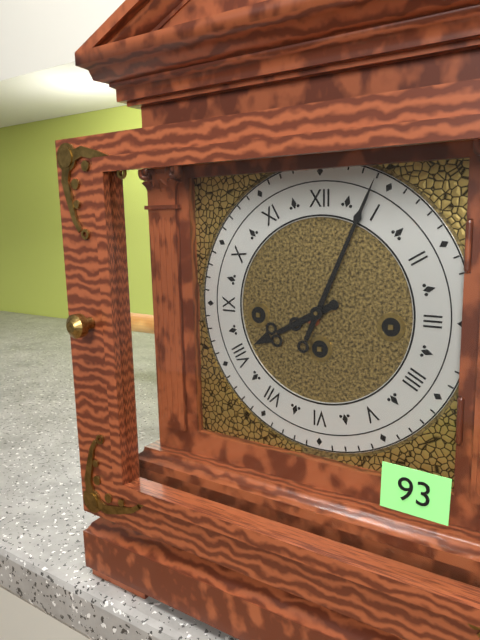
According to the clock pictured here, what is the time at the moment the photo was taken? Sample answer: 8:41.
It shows 8:04
